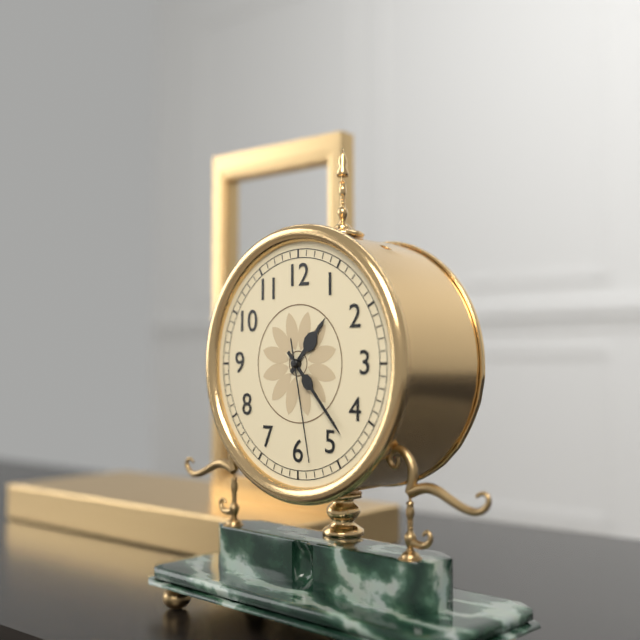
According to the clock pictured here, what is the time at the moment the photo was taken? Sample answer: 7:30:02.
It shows 1:23:28
